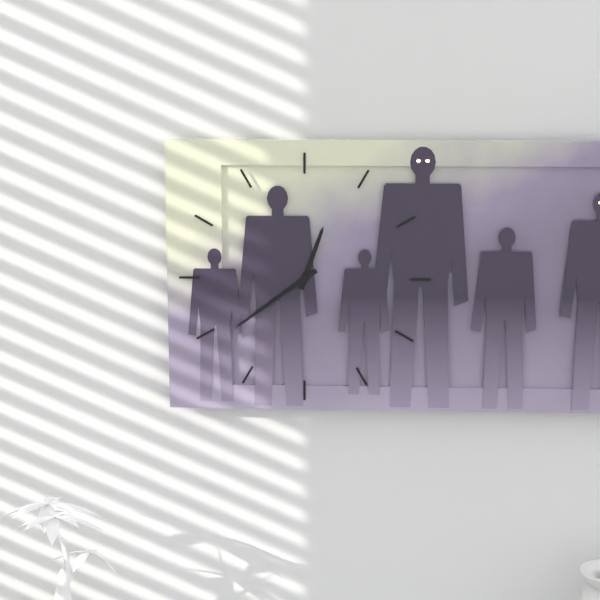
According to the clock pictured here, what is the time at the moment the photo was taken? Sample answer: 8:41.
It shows 12:39
